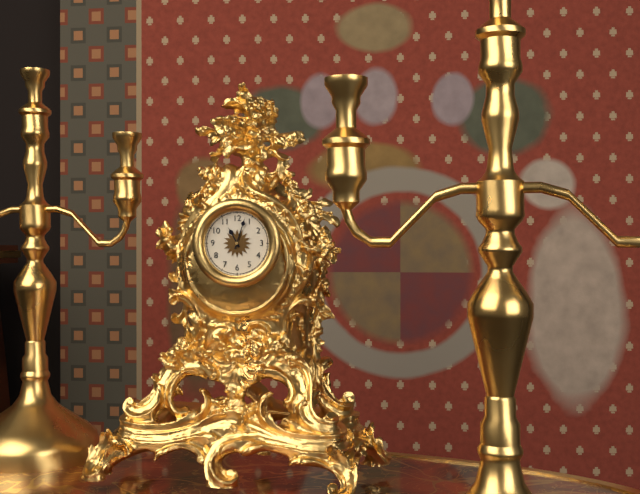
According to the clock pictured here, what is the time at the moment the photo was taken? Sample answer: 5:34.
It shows 11:03
